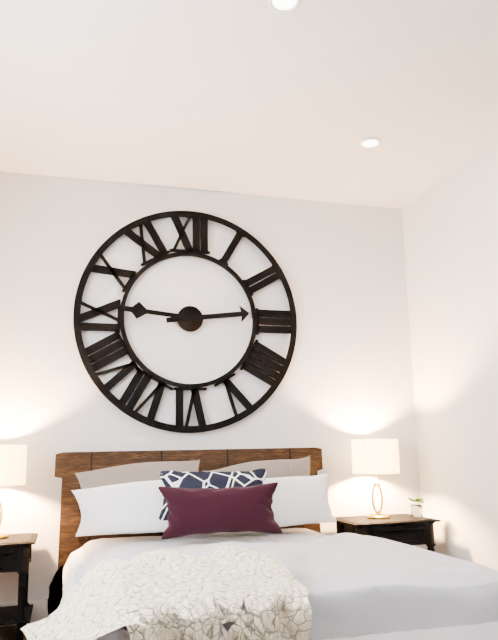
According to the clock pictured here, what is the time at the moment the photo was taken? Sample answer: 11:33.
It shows 2:46
